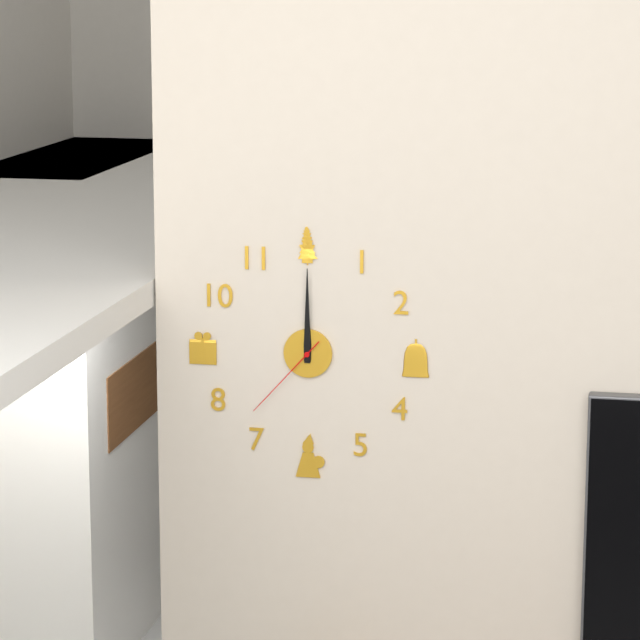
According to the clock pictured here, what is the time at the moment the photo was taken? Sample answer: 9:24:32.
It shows 12:00:37
